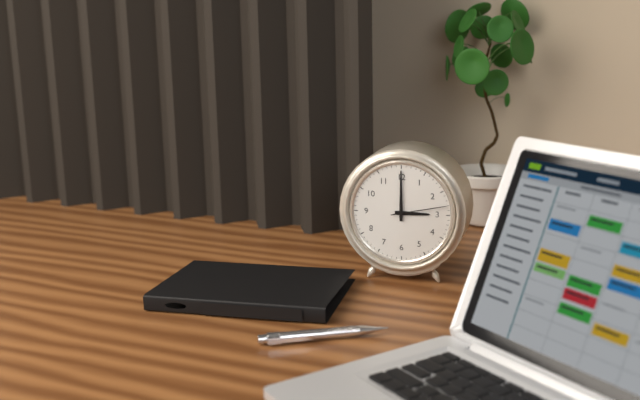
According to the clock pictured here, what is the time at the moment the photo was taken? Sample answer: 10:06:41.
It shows 3:00:13
